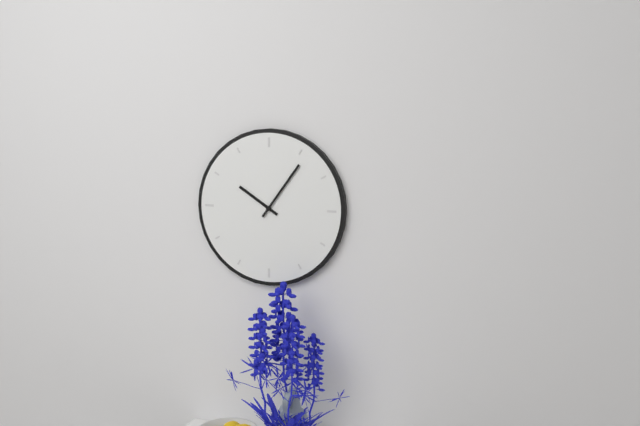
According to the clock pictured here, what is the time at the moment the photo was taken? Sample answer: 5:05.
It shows 10:06
